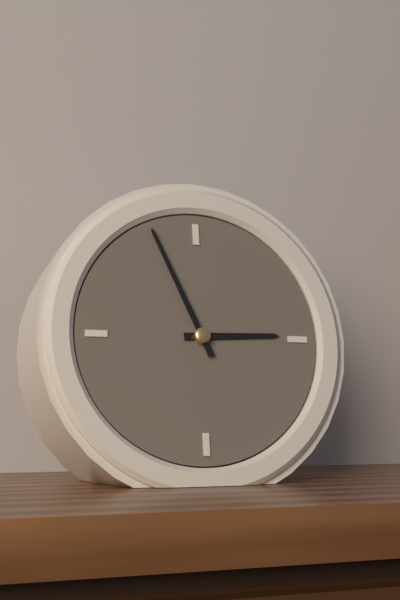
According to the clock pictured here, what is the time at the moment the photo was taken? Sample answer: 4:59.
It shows 2:56
